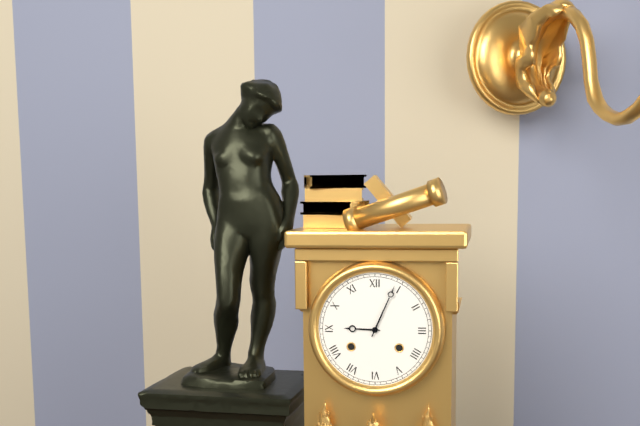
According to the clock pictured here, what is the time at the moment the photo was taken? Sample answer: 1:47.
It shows 9:04
